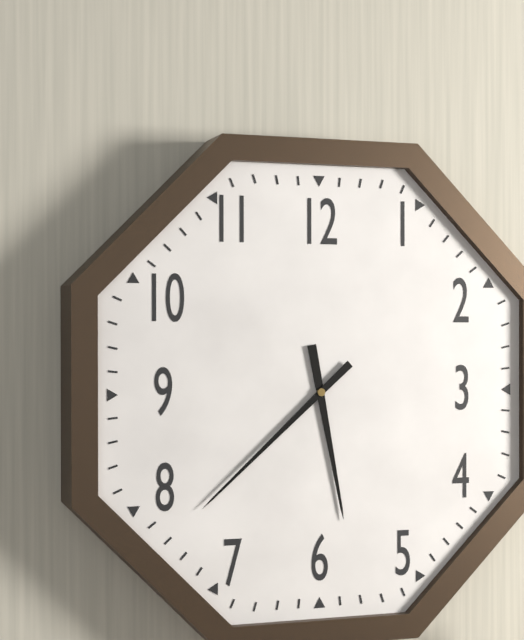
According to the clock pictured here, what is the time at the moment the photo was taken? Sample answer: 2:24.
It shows 5:38
